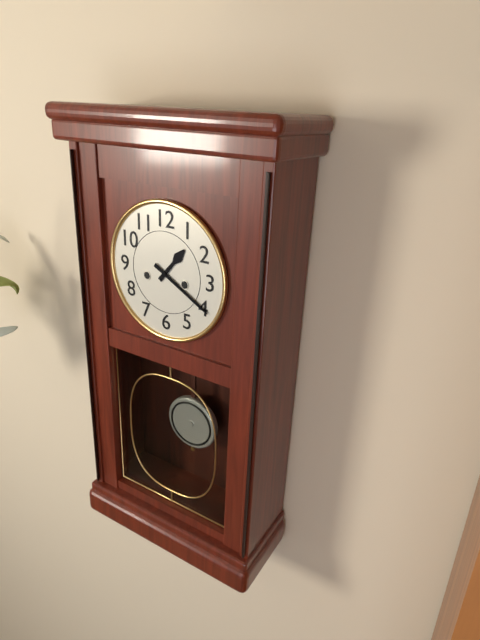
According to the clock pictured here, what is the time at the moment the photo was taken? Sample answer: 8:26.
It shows 1:20
